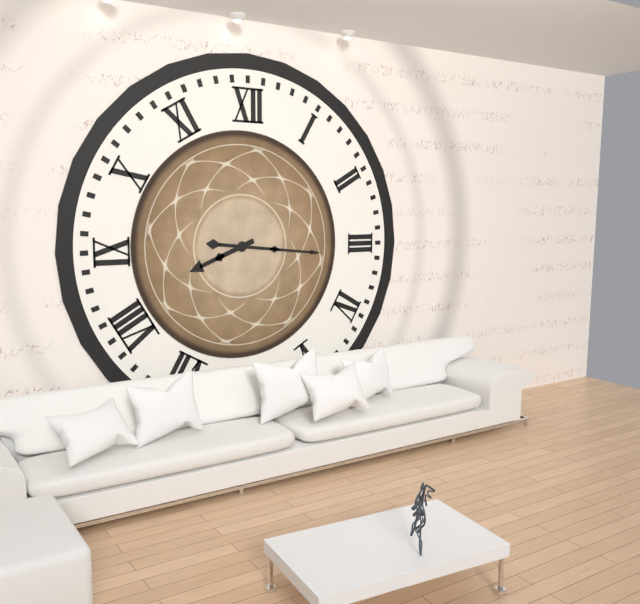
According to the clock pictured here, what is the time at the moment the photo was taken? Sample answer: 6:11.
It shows 8:16
